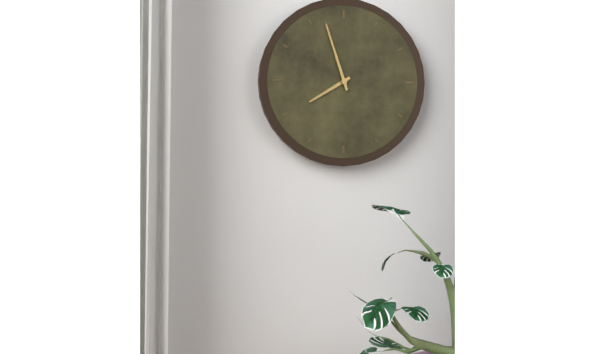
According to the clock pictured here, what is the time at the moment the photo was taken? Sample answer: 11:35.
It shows 7:57
